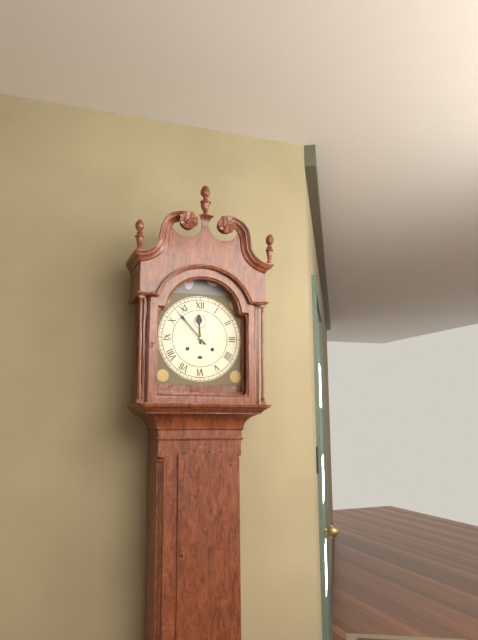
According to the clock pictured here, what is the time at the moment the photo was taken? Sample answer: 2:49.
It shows 11:53
